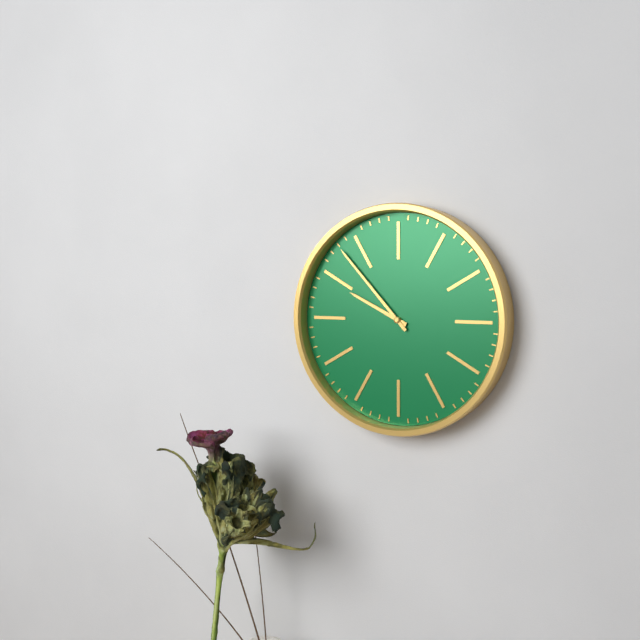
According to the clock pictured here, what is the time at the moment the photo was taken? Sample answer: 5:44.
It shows 9:53
